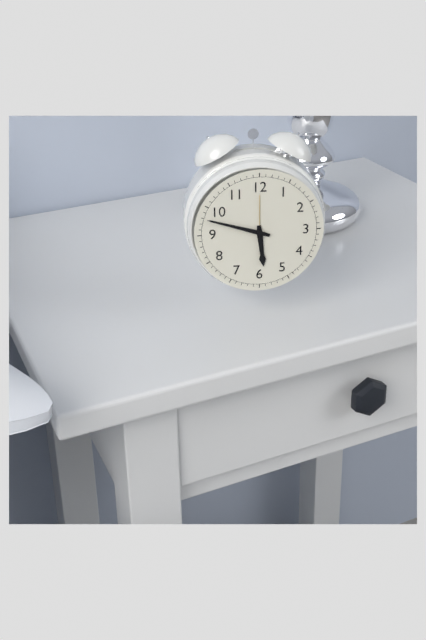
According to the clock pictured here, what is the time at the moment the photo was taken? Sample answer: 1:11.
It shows 5:48
